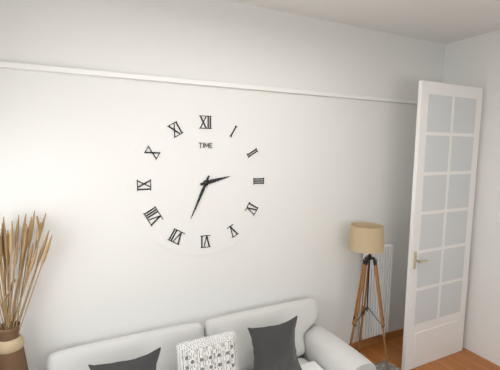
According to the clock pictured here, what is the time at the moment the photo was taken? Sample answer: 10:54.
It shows 2:34
